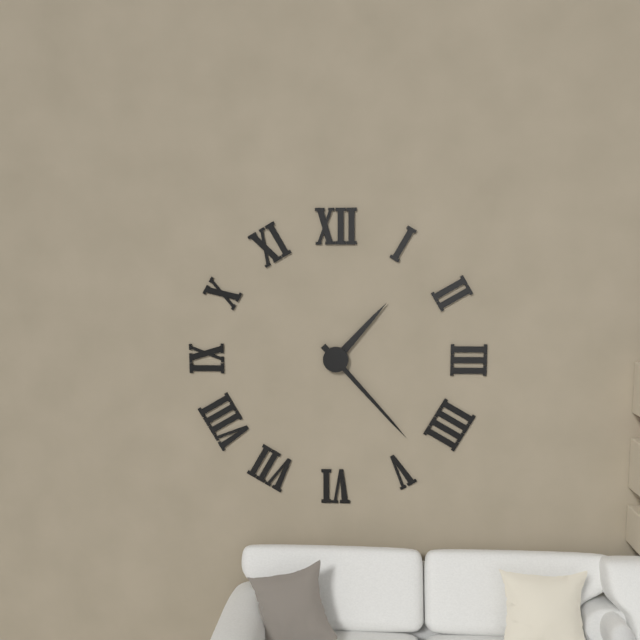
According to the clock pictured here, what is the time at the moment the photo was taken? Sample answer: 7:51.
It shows 1:23
